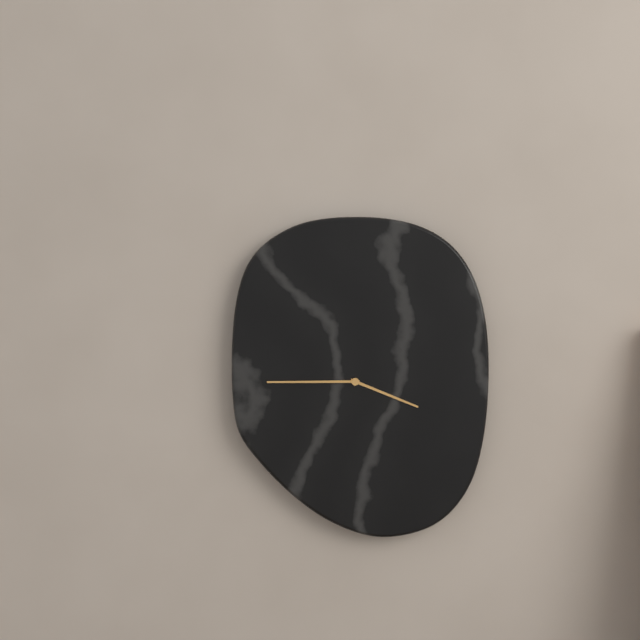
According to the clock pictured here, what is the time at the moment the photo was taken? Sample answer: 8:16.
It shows 3:45
